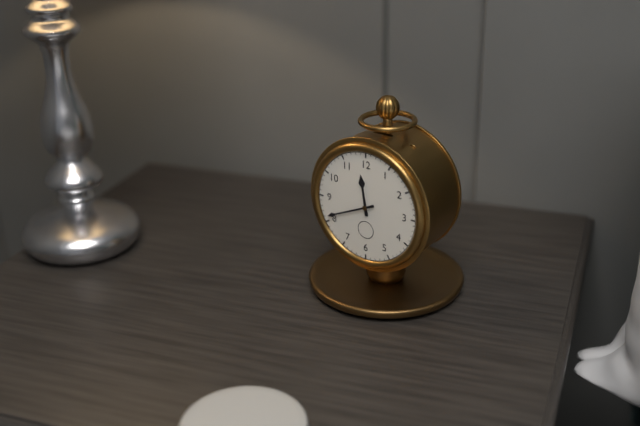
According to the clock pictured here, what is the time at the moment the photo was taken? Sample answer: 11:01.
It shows 11:41
